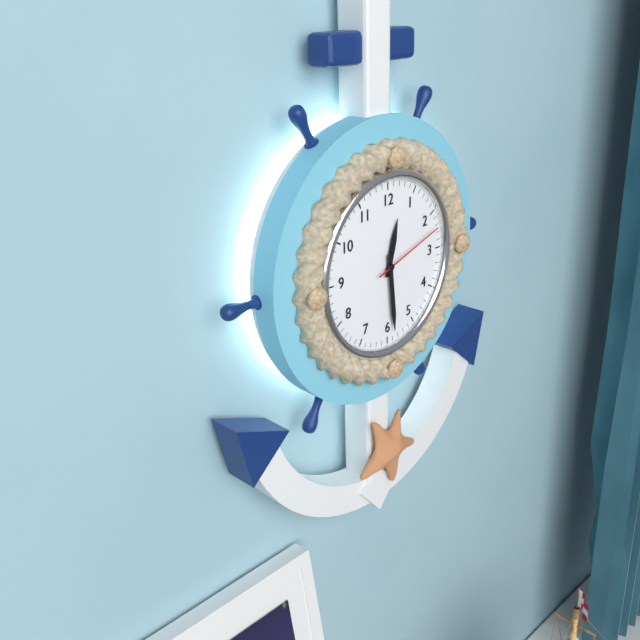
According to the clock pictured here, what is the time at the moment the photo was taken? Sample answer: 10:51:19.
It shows 12:29:12
